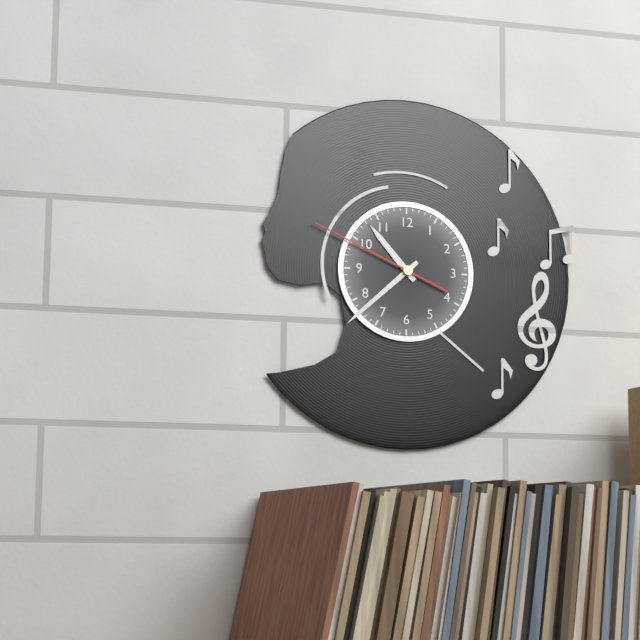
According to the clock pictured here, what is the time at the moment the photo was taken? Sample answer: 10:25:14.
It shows 10:38:49
